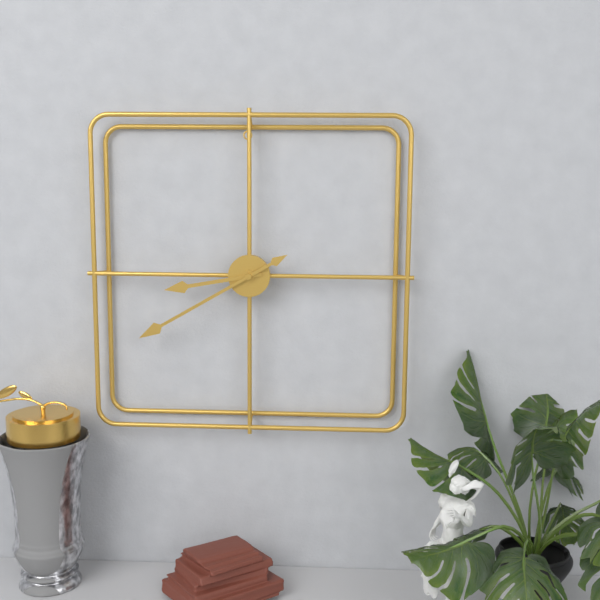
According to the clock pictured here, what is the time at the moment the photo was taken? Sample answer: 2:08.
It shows 8:40
